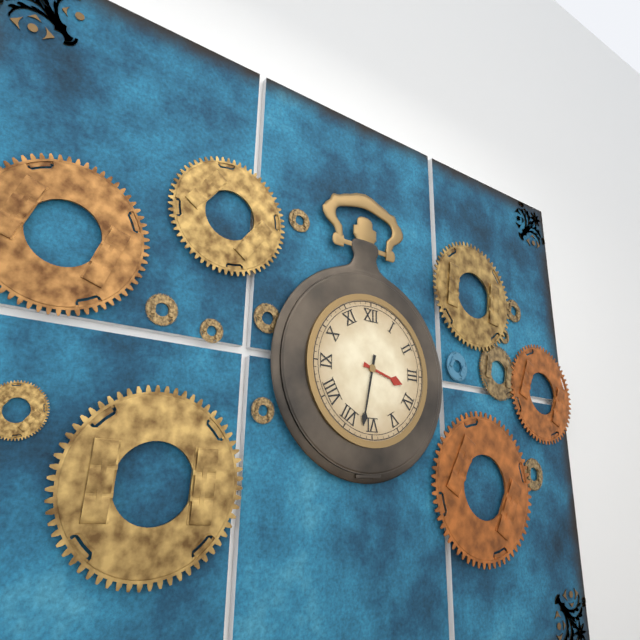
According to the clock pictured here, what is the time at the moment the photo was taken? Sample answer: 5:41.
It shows 3:32
